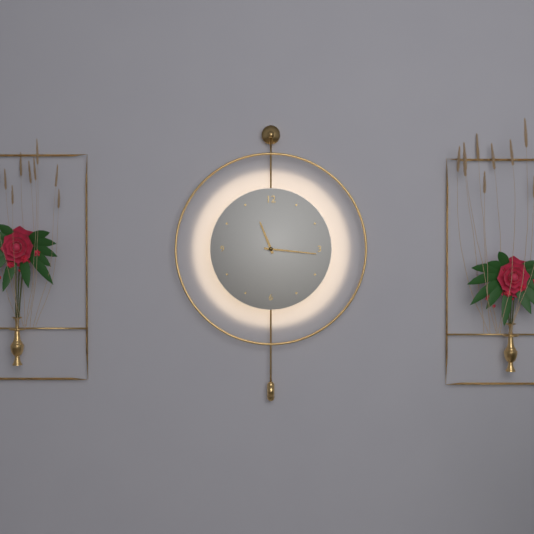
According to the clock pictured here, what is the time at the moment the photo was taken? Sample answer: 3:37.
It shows 11:16
